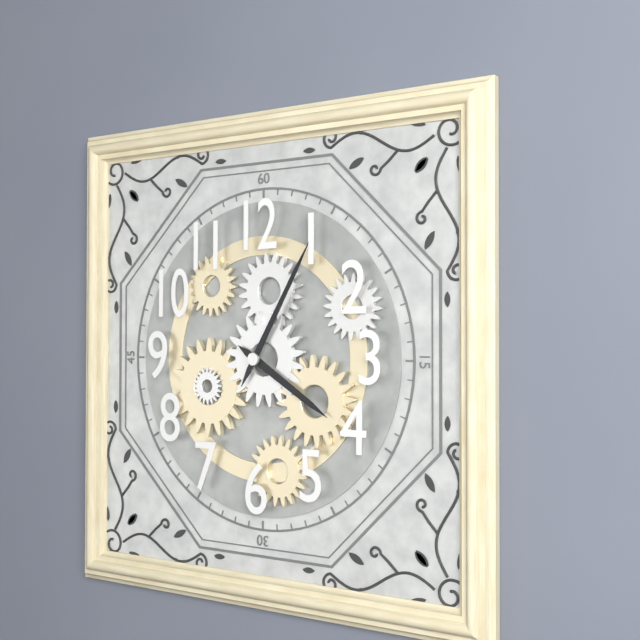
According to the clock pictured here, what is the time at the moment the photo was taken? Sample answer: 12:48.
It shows 4:05
